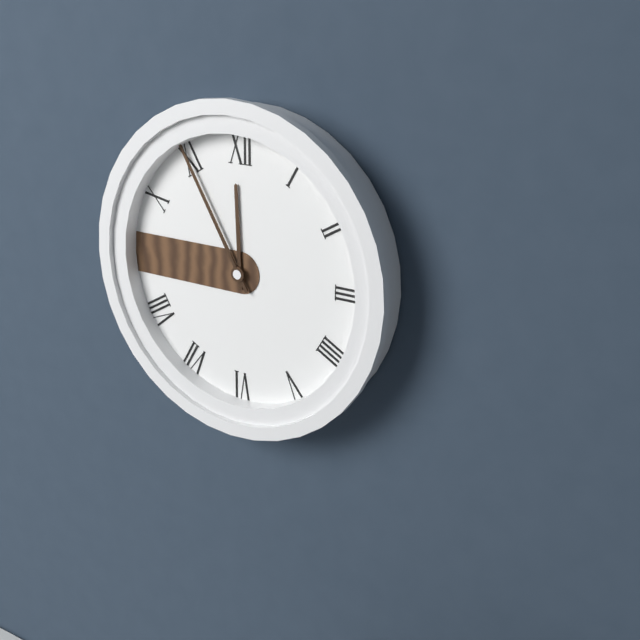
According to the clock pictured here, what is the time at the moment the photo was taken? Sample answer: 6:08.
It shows 11:55
